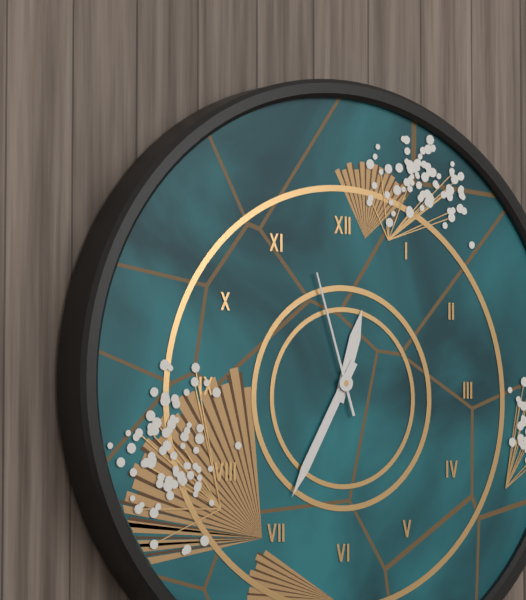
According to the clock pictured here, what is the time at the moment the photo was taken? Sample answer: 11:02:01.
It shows 12:35:57
